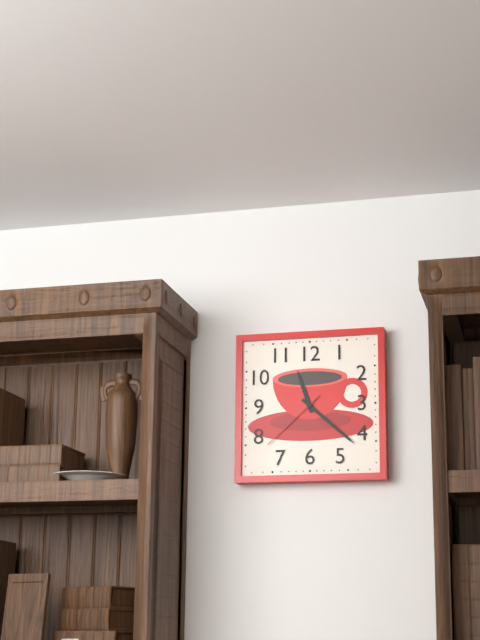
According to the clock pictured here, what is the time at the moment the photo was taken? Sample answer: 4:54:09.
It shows 11:22:38
